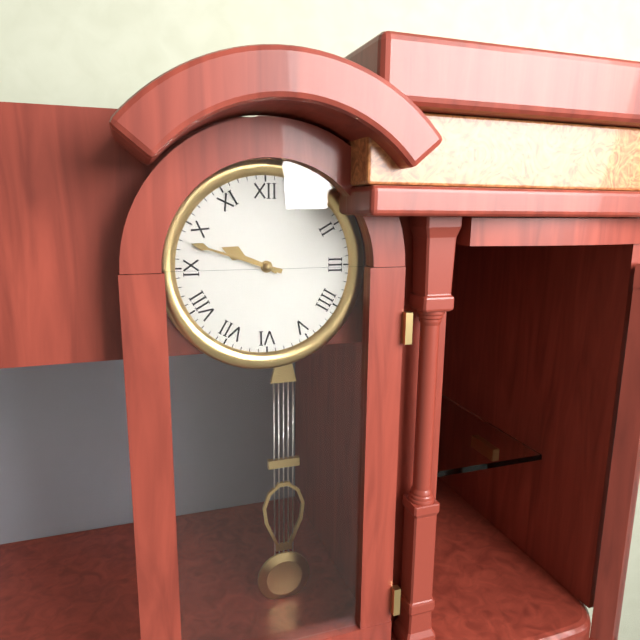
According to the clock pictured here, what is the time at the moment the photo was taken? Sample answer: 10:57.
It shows 9:48
